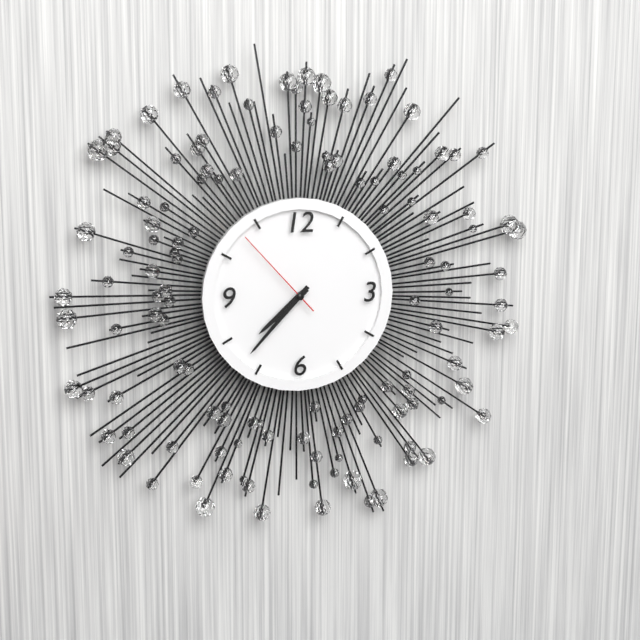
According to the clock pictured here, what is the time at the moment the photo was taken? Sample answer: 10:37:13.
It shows 7:37:53
